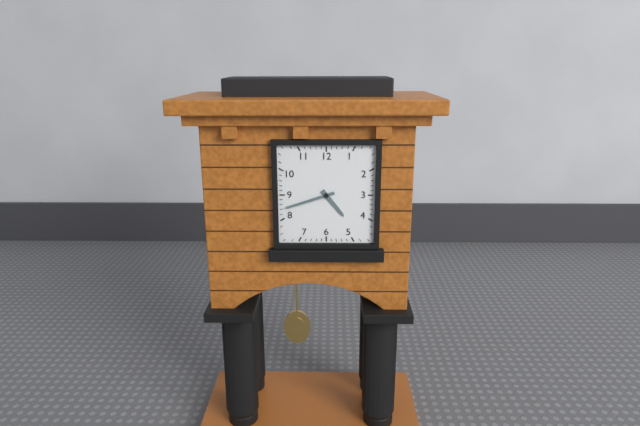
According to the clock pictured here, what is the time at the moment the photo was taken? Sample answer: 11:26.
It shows 4:42
